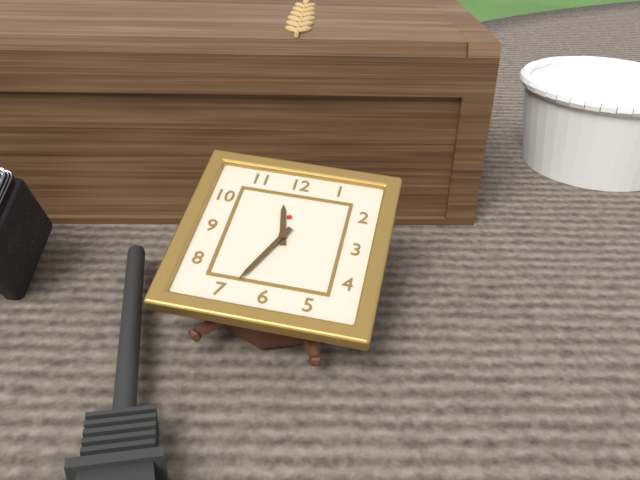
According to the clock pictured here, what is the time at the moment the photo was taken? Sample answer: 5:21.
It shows 11:34
